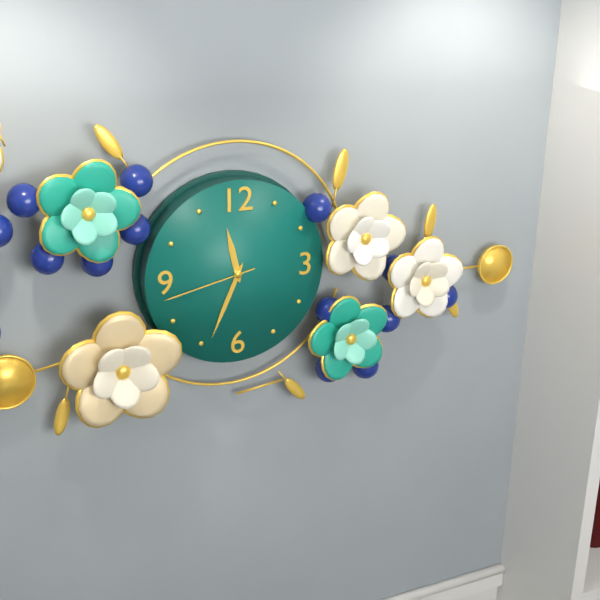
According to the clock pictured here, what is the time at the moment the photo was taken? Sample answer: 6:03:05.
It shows 11:34:43
